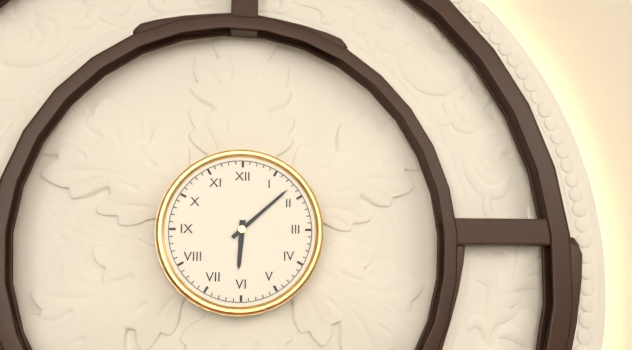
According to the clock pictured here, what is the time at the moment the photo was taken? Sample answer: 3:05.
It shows 6:08
